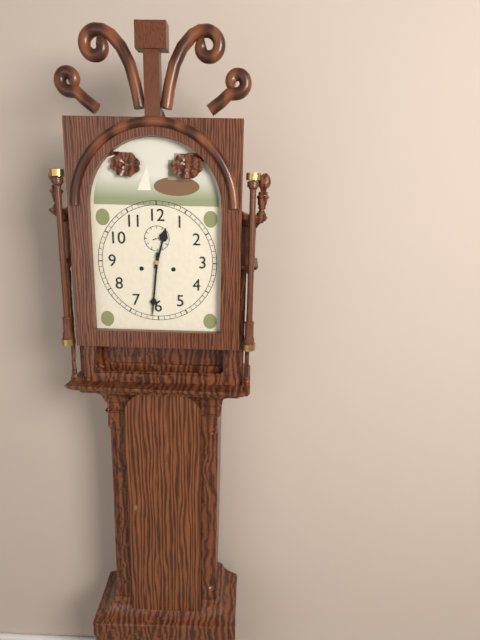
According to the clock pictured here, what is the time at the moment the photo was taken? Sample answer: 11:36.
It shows 12:31
